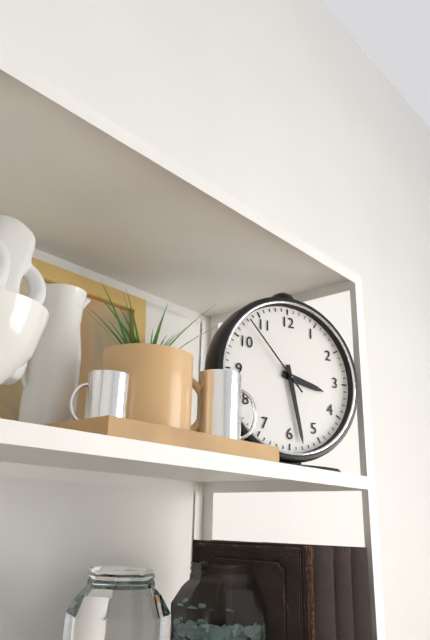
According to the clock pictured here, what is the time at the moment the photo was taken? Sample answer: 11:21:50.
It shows 3:28:53
